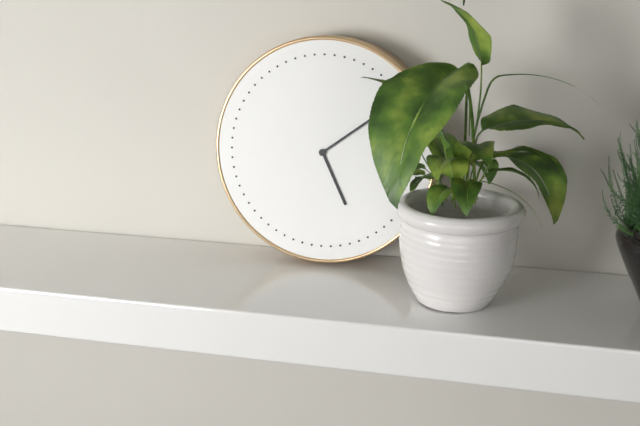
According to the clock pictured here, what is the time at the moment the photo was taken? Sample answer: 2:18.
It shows 5:09
